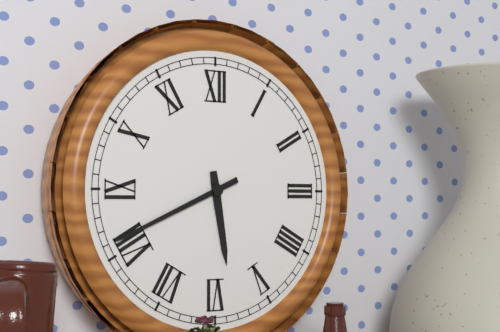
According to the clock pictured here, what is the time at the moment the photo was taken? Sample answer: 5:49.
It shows 5:41
